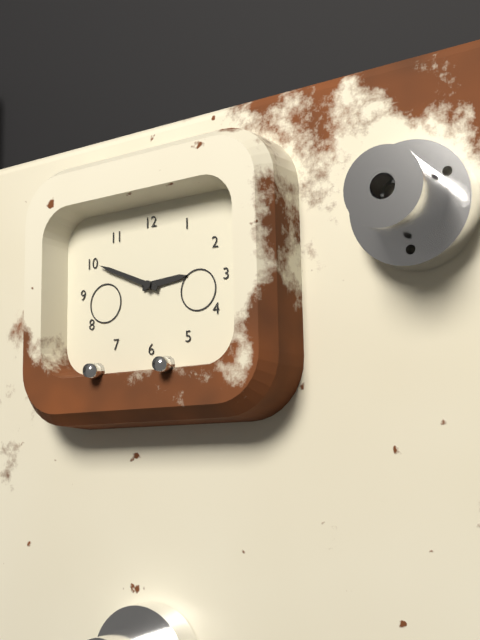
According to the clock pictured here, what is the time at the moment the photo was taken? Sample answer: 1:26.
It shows 2:49
